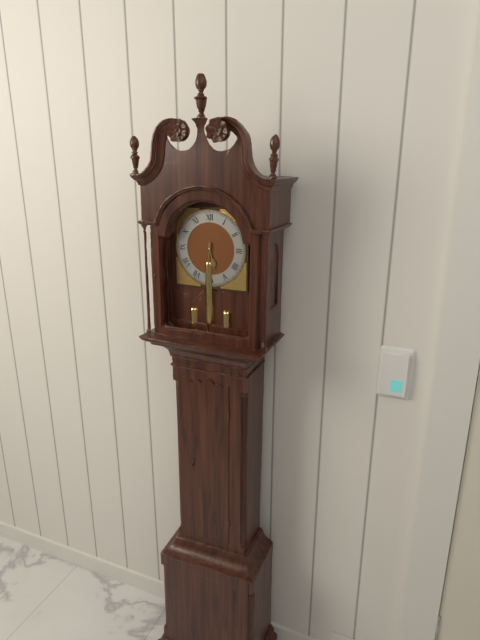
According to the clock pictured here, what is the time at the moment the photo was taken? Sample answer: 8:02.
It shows 5:31
